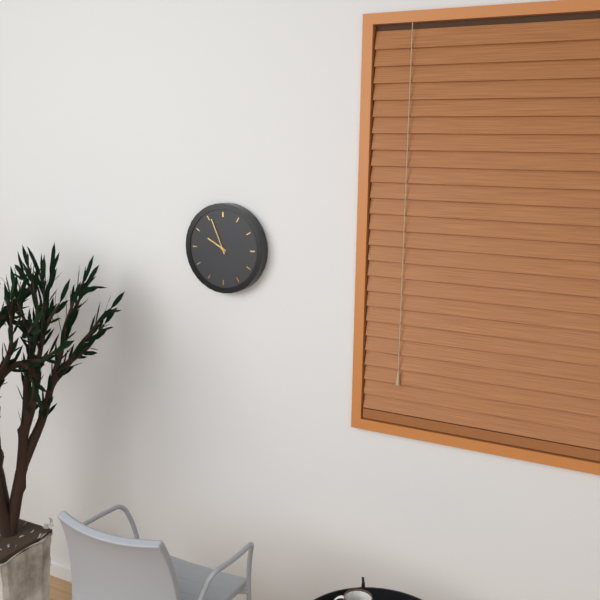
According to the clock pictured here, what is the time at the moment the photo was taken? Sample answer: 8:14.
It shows 9:56
